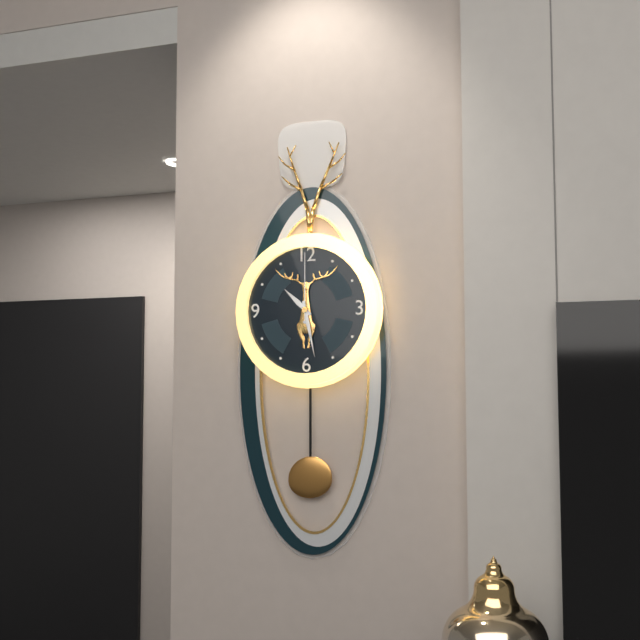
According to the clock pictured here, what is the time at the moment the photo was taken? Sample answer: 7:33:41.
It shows 10:28:00
